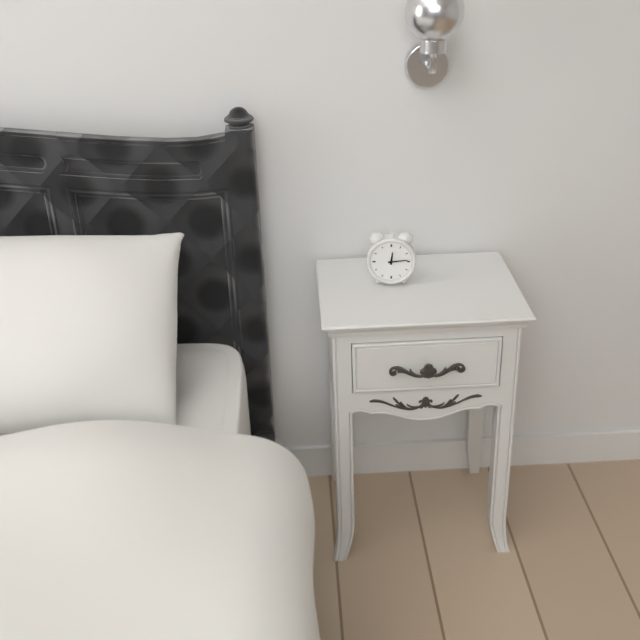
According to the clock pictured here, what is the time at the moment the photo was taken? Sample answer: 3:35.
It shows 12:14
